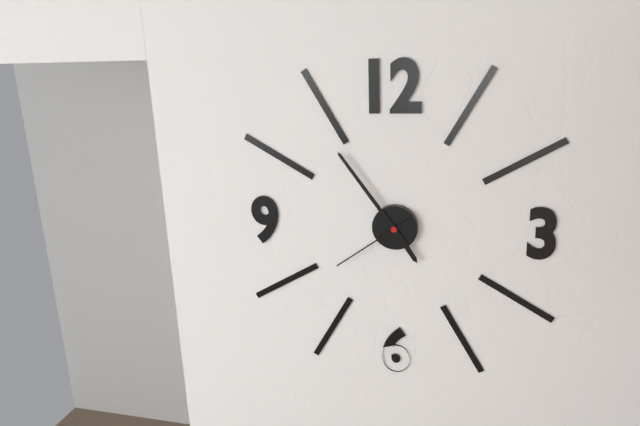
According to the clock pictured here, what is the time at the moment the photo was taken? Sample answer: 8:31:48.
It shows 4:54:39
